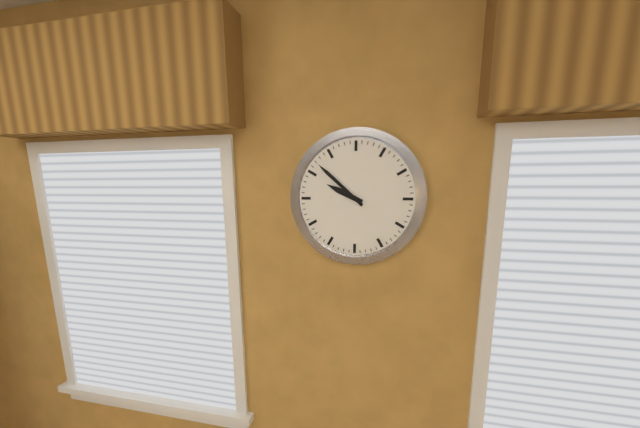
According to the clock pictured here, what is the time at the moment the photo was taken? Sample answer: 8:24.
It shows 9:52
